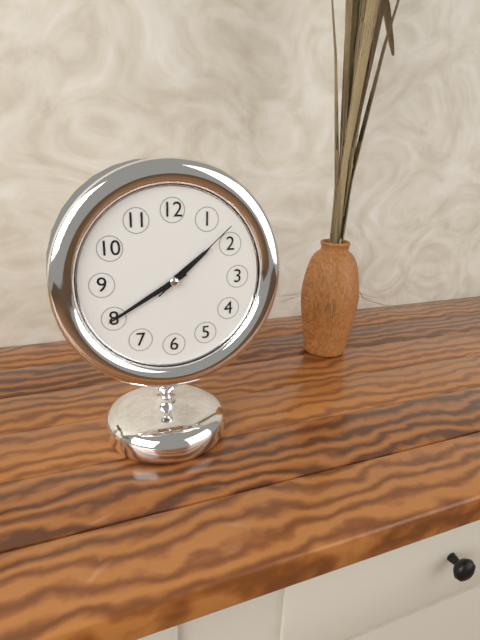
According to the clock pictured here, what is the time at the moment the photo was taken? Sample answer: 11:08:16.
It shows 1:40:08
